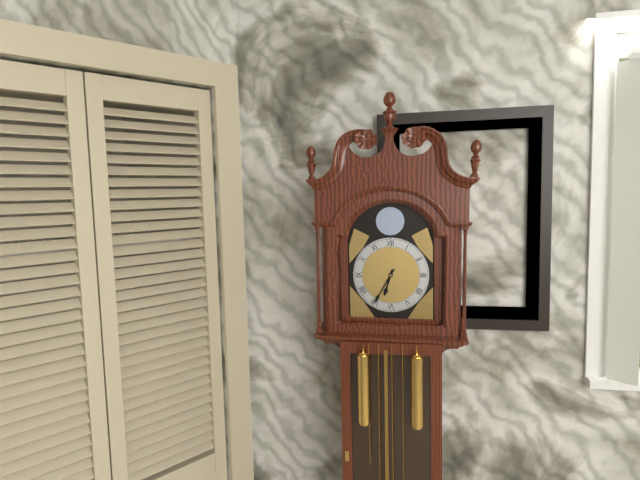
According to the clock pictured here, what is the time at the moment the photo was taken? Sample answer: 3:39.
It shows 6:35
